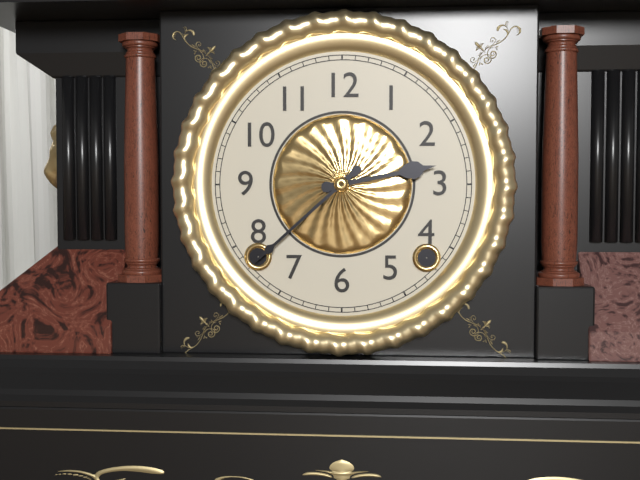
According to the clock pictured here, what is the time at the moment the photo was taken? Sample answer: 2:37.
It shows 2:38
